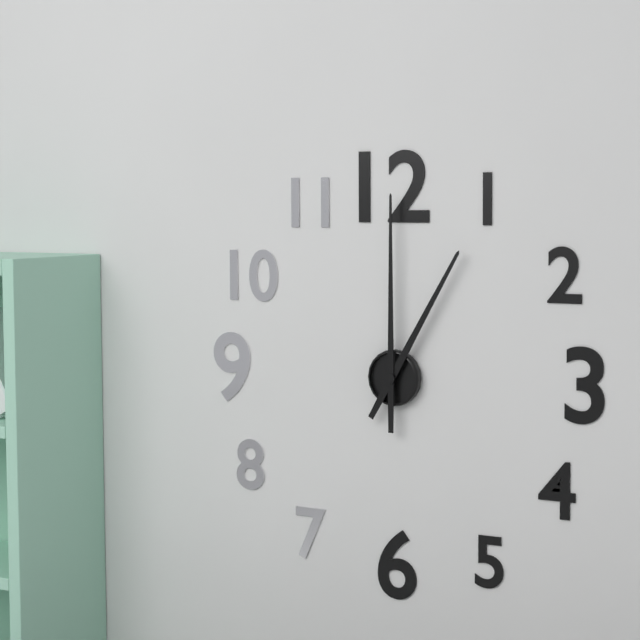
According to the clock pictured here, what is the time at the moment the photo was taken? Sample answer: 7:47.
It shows 1:00
